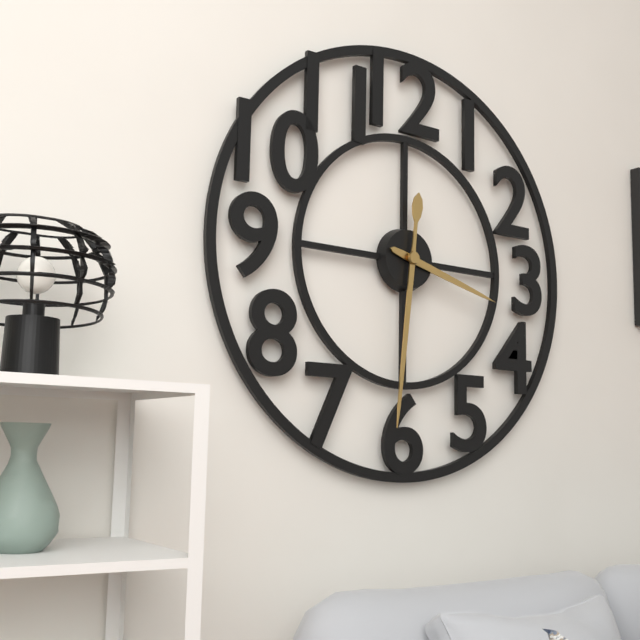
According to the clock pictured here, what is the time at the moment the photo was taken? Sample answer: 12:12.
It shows 3:31
